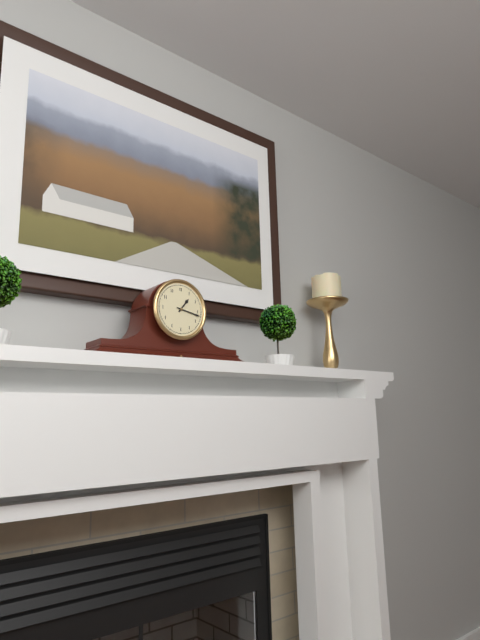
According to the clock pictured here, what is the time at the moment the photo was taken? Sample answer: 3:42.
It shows 1:17
